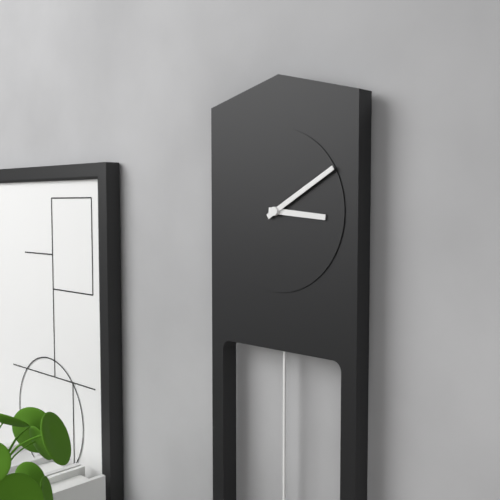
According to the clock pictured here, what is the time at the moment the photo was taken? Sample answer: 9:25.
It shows 3:10
